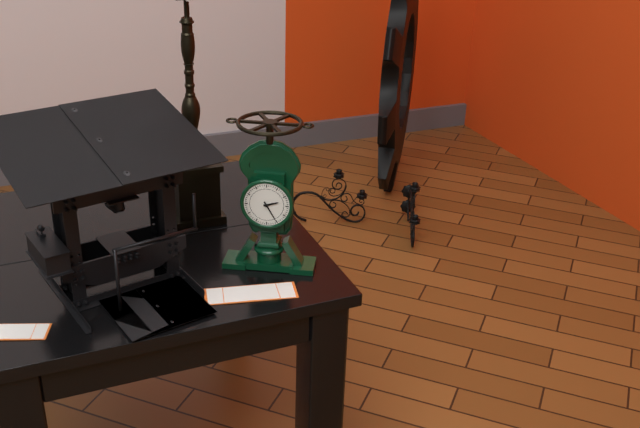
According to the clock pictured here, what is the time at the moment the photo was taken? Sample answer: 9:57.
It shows 2:25
